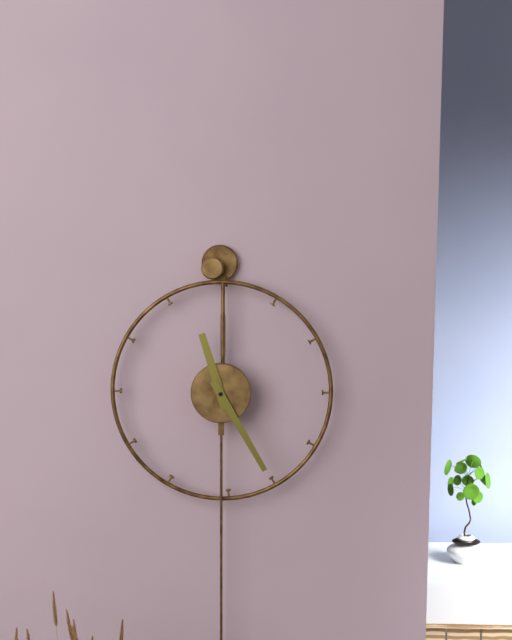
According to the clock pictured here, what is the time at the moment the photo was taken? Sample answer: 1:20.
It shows 11:25
